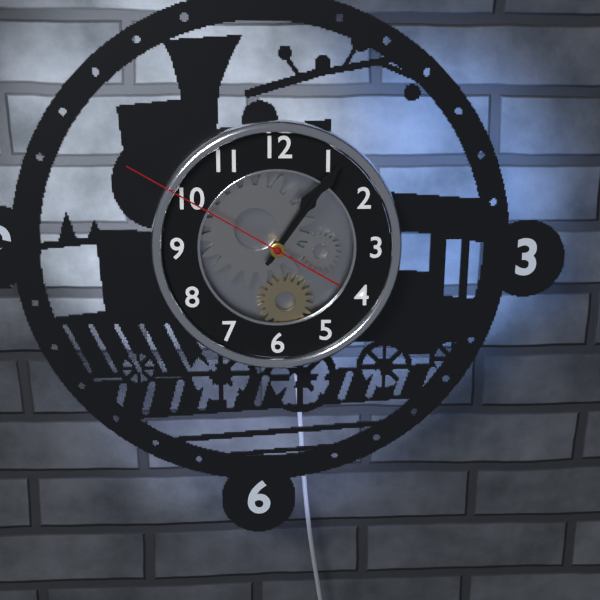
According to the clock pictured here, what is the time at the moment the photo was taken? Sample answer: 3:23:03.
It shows 1:06:50
